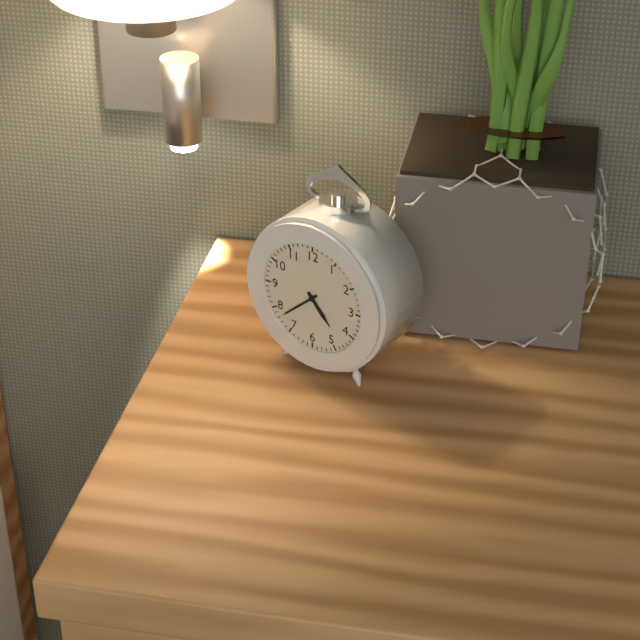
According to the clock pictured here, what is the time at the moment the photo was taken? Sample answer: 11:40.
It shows 4:38
